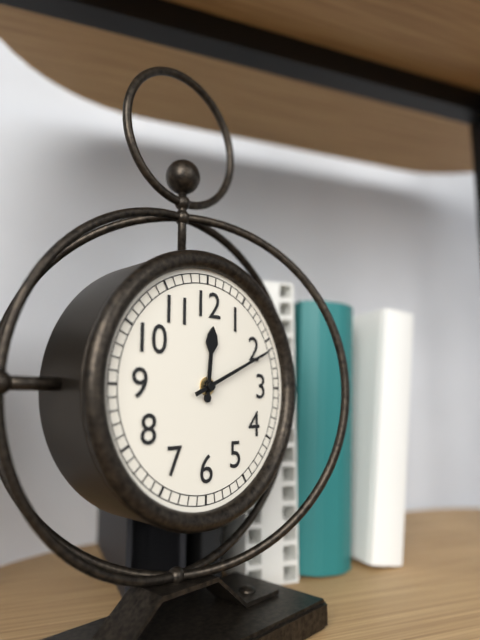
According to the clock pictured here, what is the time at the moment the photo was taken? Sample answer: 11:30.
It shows 12:11
